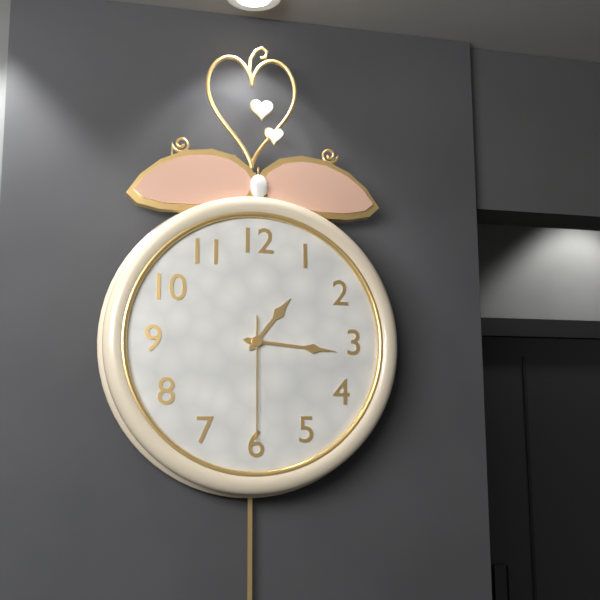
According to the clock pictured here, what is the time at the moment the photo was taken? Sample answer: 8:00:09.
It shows 1:16:30
